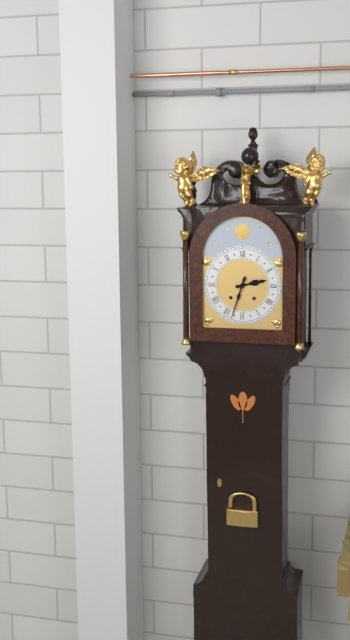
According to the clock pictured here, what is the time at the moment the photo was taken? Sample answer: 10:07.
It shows 2:33
